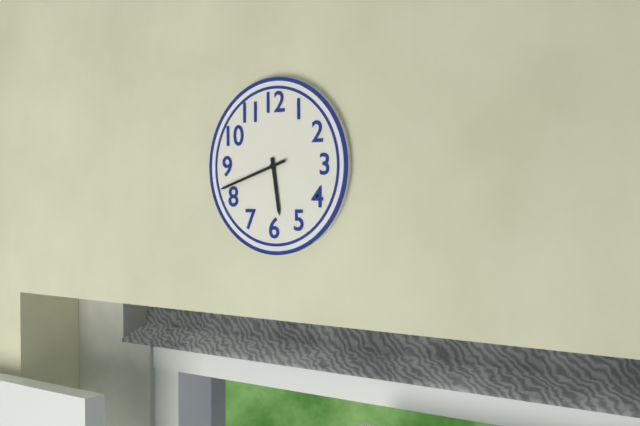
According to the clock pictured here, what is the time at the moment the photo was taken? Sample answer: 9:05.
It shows 5:42
